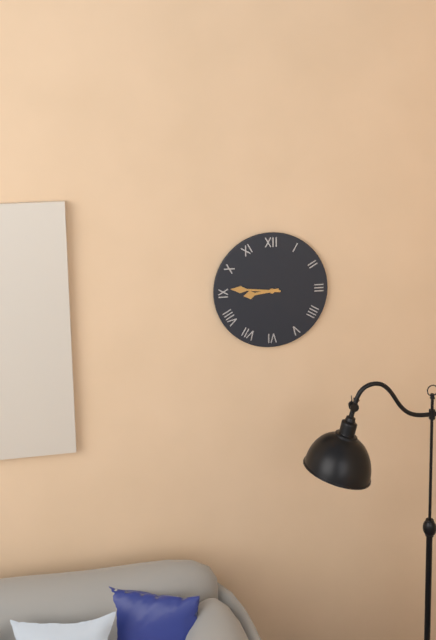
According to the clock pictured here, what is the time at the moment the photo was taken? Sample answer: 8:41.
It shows 8:46
